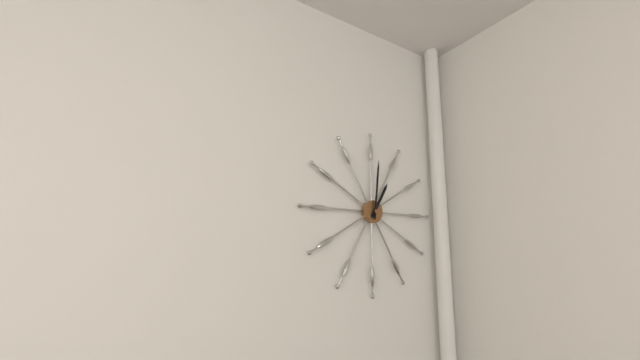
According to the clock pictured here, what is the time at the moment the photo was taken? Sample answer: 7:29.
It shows 1:01
